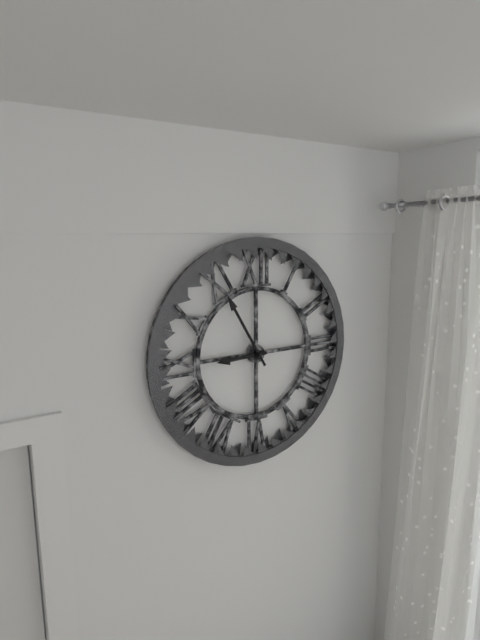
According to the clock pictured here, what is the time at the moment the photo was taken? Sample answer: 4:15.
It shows 8:55
